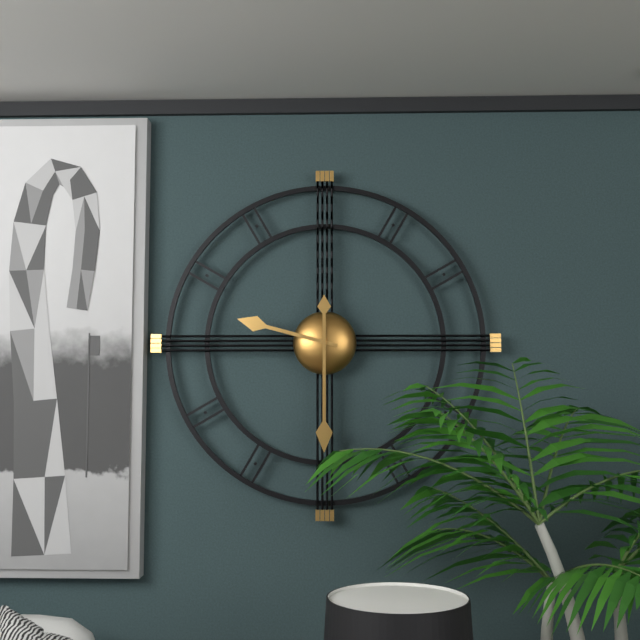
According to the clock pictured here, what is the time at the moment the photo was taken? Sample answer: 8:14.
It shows 9:30
